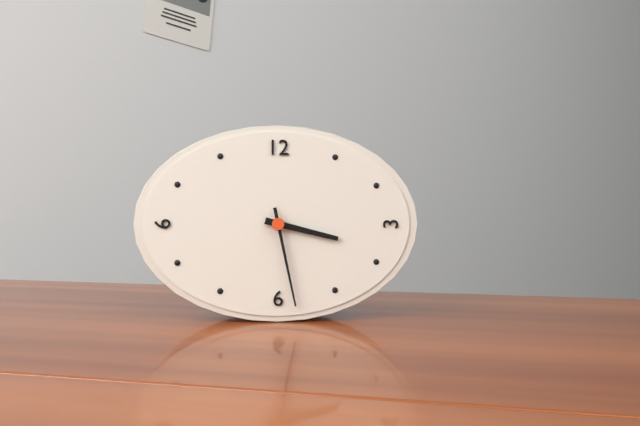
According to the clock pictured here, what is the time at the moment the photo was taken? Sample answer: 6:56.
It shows 3:28
